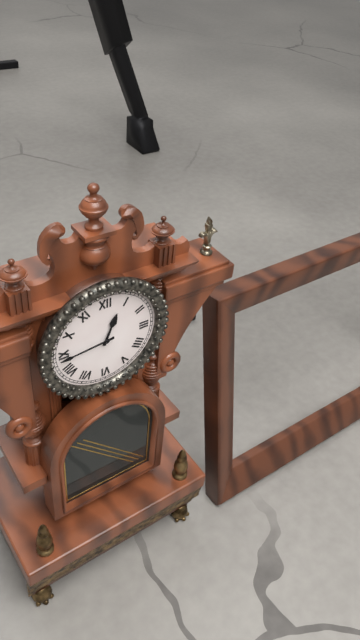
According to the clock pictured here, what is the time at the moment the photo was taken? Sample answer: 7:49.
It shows 12:44
